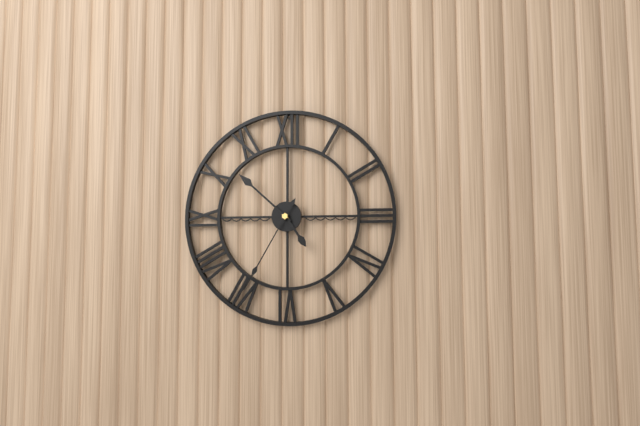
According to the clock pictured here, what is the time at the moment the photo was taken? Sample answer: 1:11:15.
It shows 4:52:35
